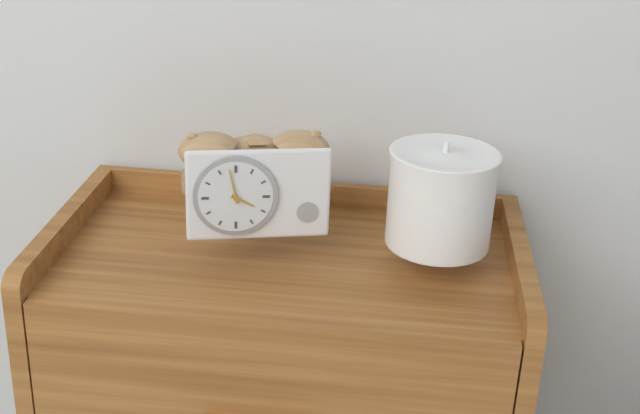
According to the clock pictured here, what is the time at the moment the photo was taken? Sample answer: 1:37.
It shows 3:58
